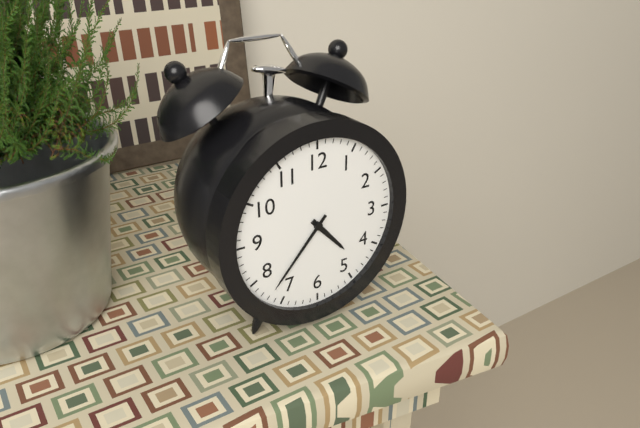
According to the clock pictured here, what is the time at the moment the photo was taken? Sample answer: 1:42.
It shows 4:37
